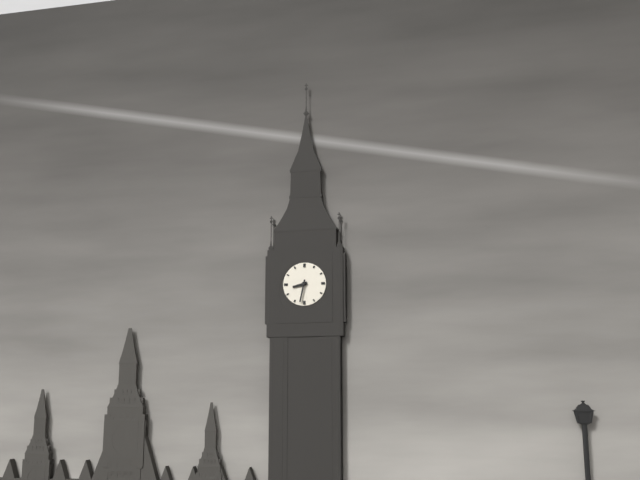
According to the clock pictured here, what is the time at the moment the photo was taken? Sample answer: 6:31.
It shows 8:32
